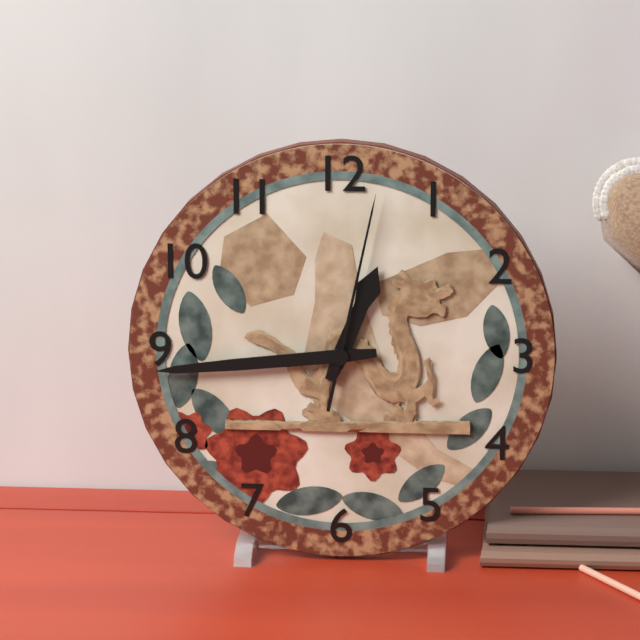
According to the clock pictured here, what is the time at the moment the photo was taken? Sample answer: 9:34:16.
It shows 12:44:02
